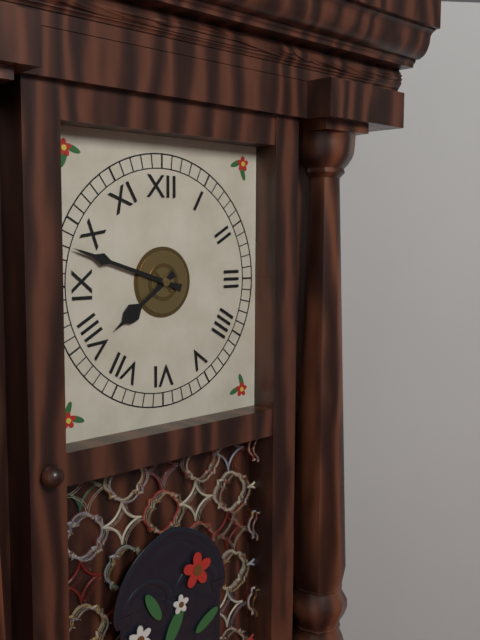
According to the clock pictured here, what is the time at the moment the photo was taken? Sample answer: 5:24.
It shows 7:48
